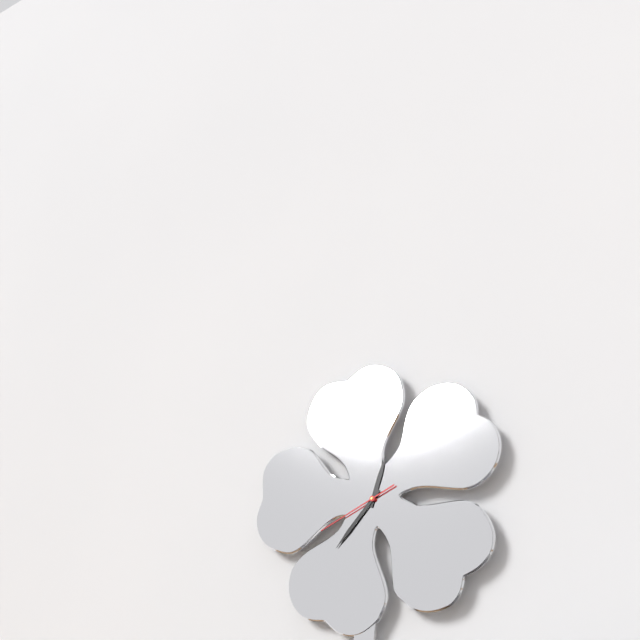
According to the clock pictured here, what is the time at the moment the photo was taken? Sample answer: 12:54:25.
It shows 12:37:41
